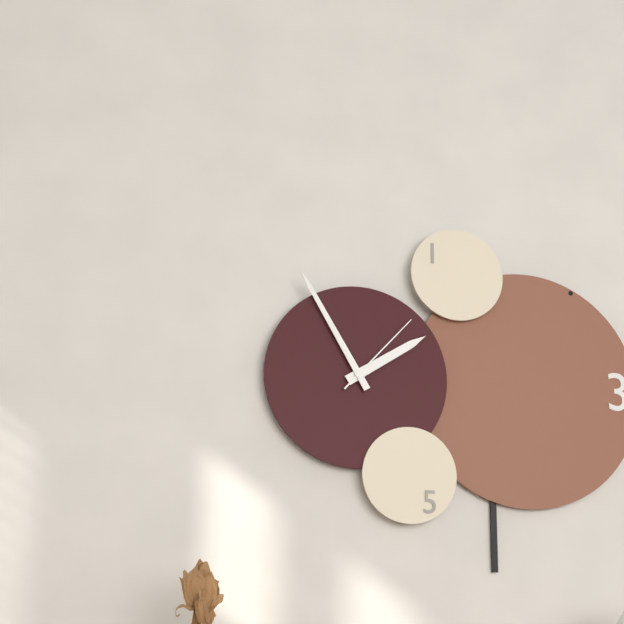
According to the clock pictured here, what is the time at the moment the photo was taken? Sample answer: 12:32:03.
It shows 1:55:07
